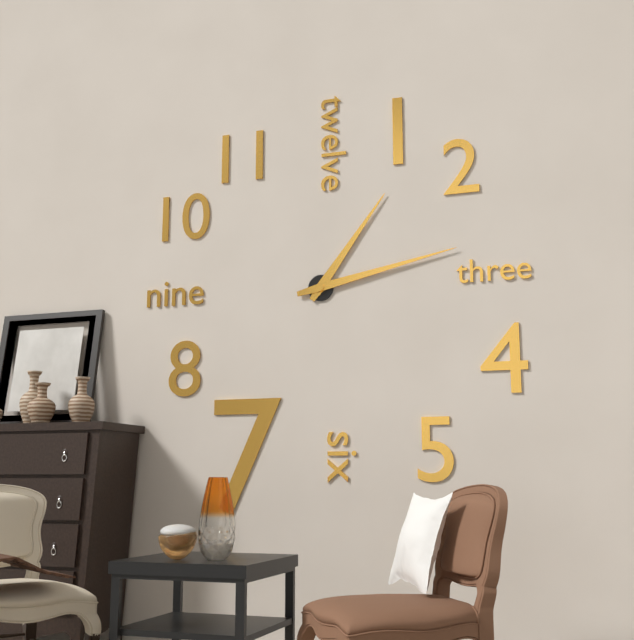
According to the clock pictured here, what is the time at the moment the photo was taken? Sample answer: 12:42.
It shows 1:13
